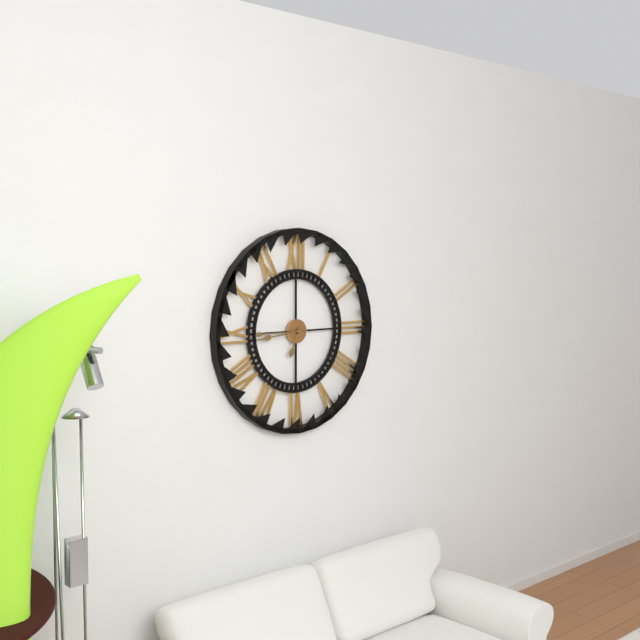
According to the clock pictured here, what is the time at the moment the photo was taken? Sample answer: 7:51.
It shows 6:44
